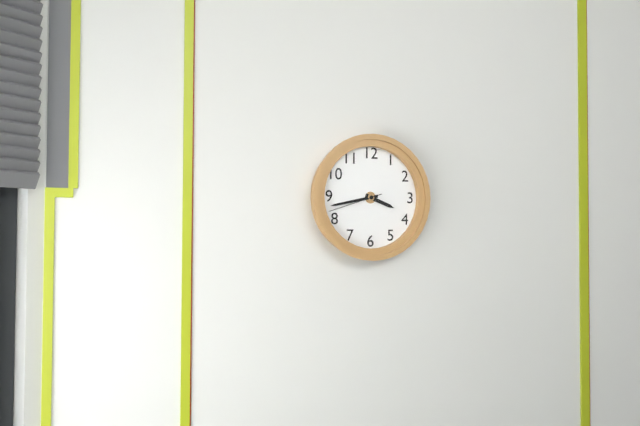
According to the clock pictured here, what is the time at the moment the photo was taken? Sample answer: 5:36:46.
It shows 3:43:42
